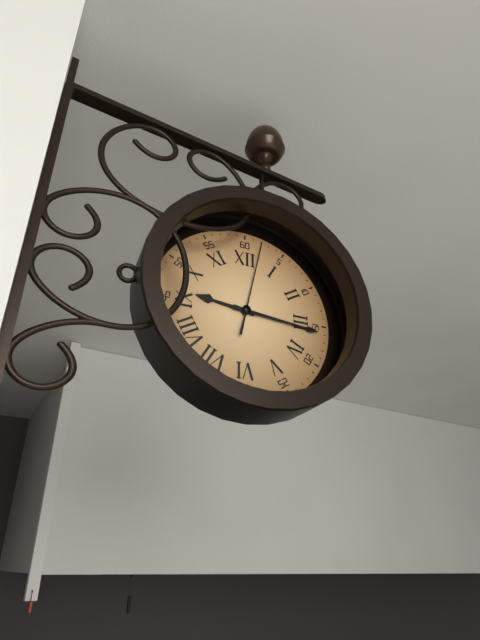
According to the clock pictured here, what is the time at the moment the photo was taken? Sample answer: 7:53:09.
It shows 9:16:02
